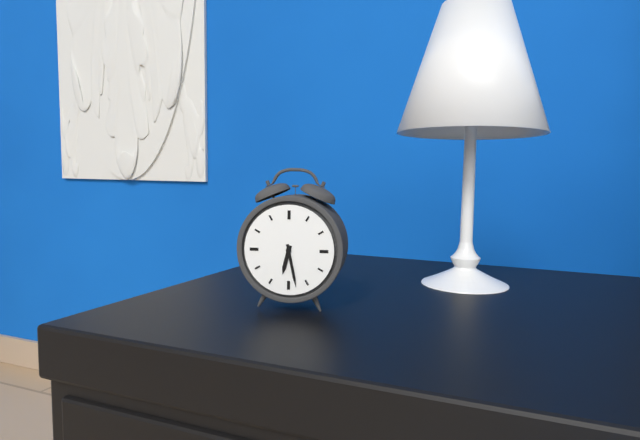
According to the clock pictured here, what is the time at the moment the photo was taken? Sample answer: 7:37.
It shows 6:28
